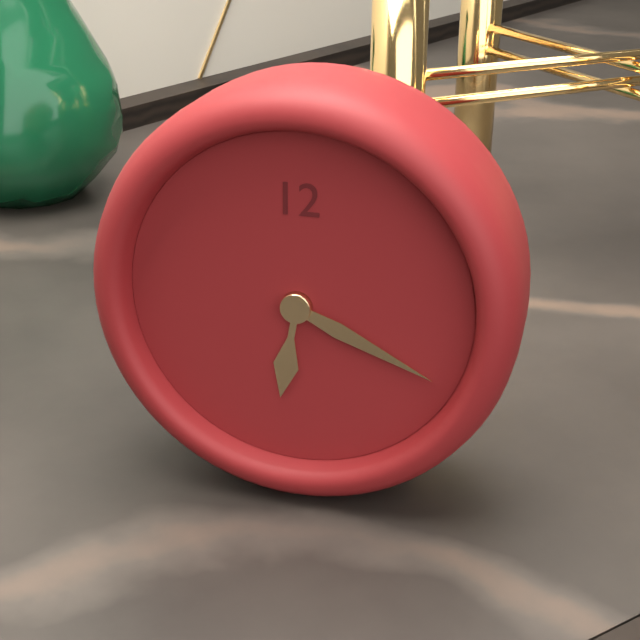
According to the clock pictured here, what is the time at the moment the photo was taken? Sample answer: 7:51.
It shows 6:19
